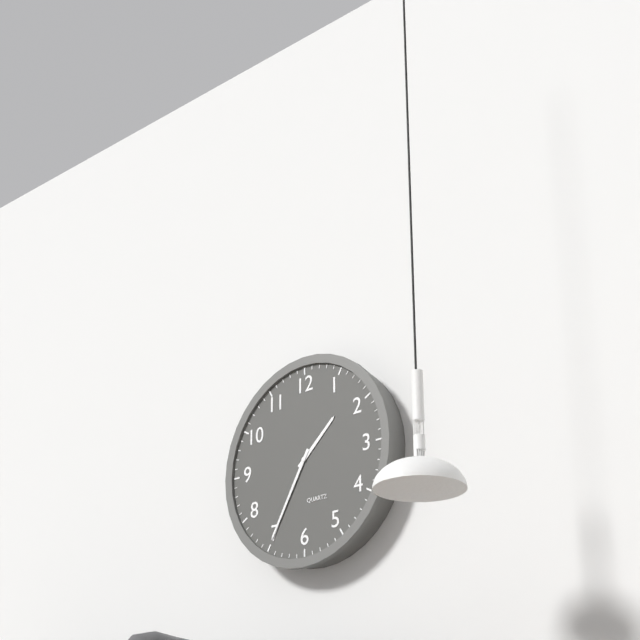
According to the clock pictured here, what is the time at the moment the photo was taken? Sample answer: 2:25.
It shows 1:35
